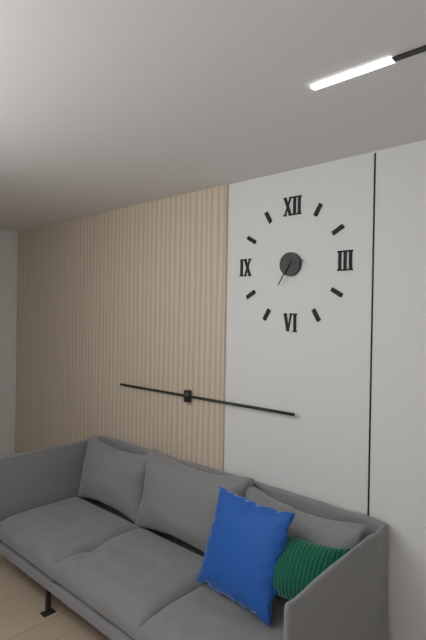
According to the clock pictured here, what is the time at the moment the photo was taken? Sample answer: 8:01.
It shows 2:35
